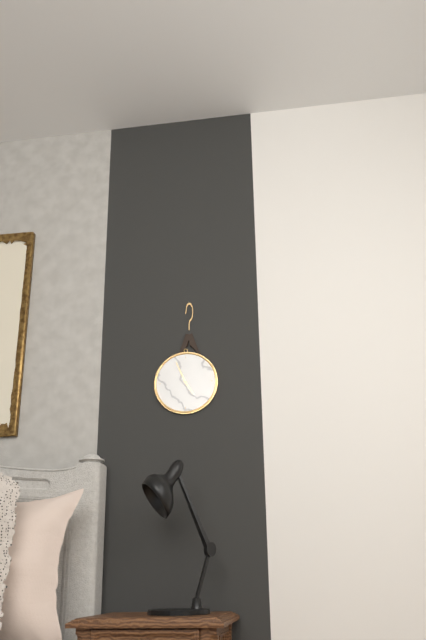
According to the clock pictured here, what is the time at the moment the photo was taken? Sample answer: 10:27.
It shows 4:56
